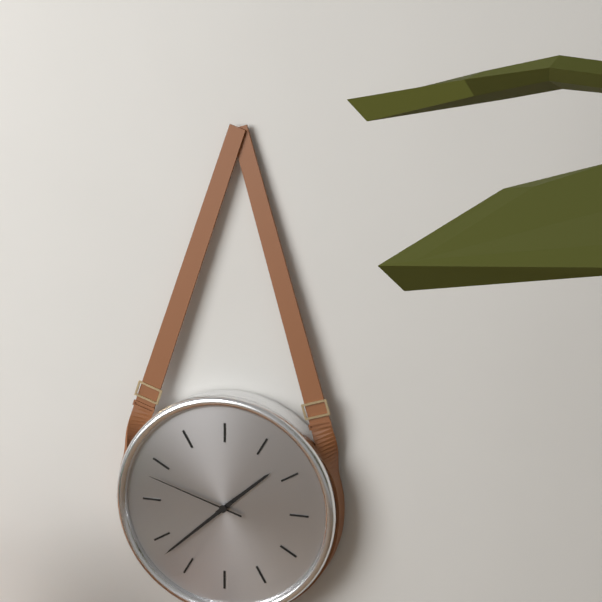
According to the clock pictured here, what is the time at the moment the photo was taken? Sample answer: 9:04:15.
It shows 1:38:48
